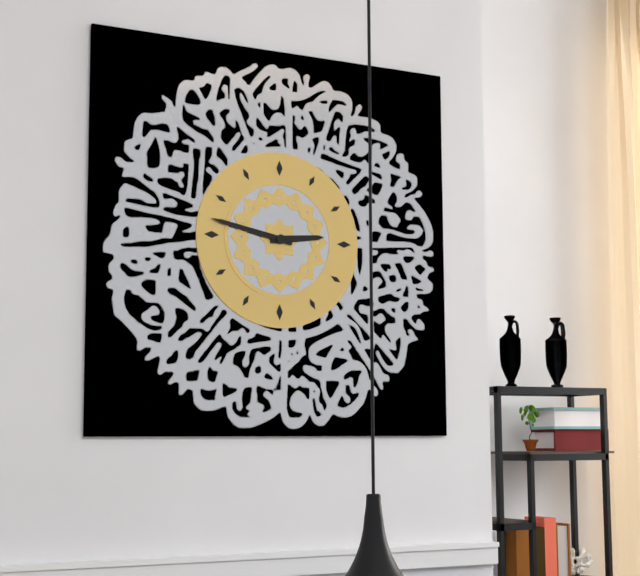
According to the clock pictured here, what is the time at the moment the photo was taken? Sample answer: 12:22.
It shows 2:47
